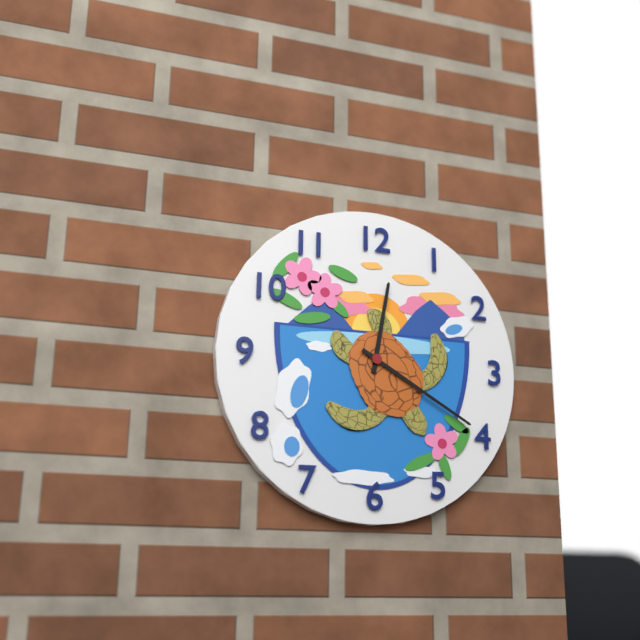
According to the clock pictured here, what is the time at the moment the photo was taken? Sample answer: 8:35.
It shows 12:20
